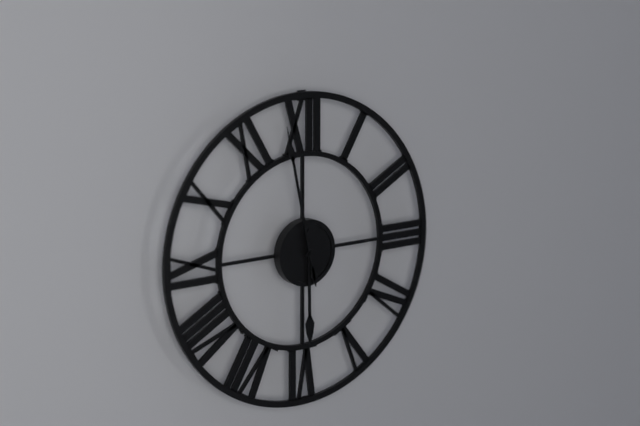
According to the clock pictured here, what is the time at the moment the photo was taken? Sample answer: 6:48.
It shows 5:58
